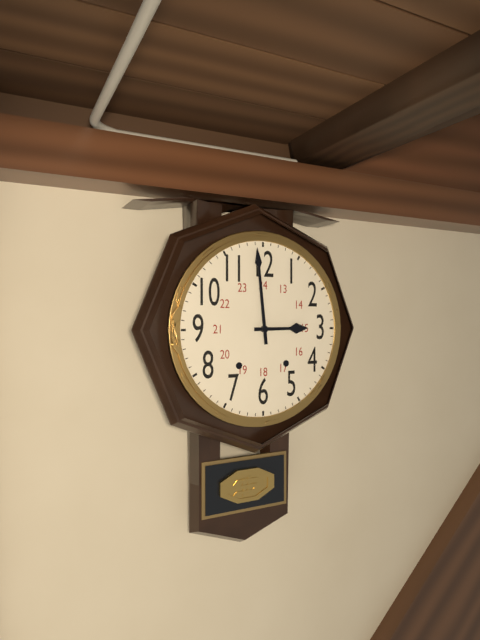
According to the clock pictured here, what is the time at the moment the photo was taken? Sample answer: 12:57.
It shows 2:59
